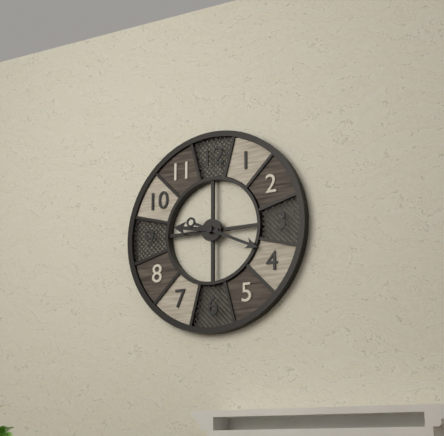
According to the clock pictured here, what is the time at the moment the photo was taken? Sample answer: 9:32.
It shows 9:19
